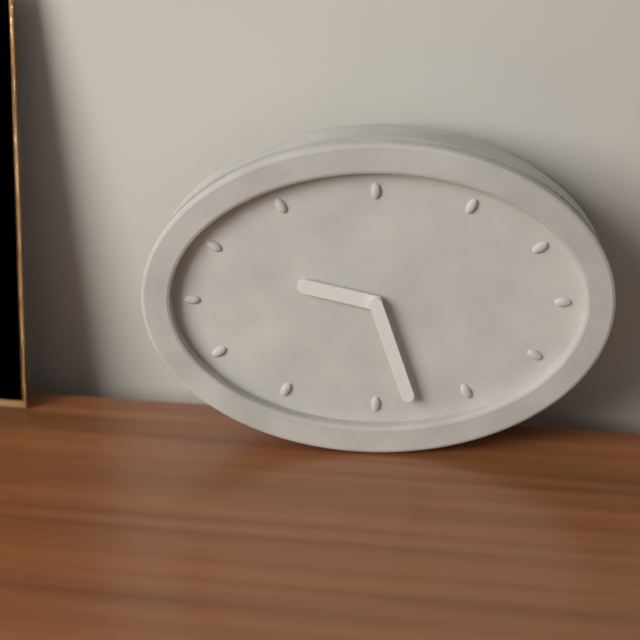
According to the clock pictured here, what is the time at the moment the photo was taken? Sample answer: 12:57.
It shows 9:27
